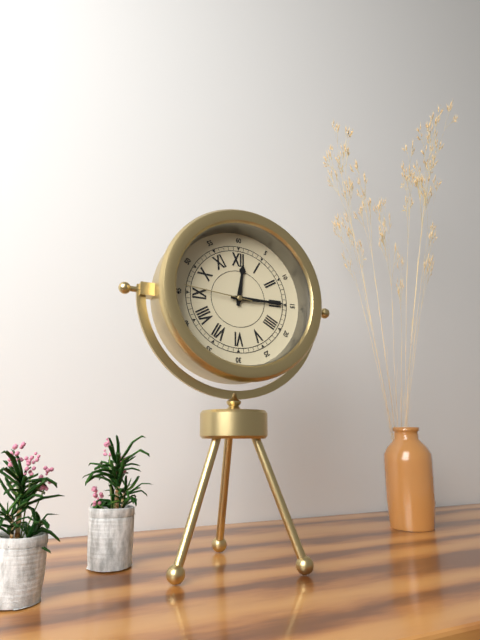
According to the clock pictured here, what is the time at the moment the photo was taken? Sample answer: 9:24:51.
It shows 12:15:46
